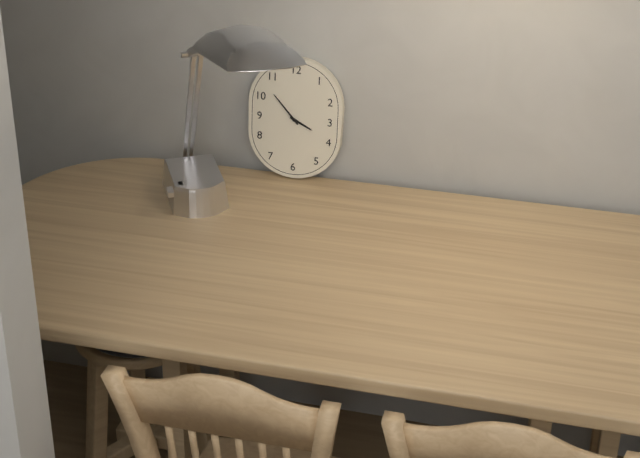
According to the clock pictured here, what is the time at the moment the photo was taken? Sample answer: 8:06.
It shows 3:53
